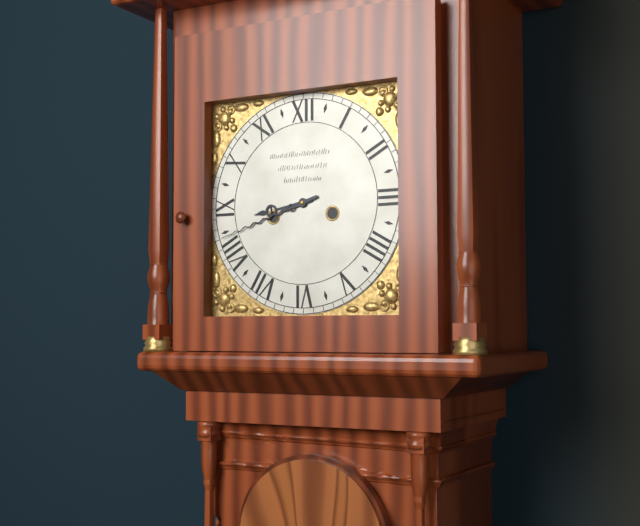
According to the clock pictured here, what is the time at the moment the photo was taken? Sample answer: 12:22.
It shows 8:42
